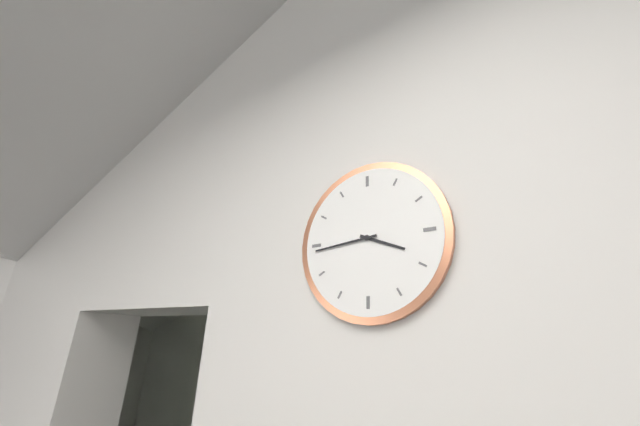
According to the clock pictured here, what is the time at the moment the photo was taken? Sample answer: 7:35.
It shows 3:44
